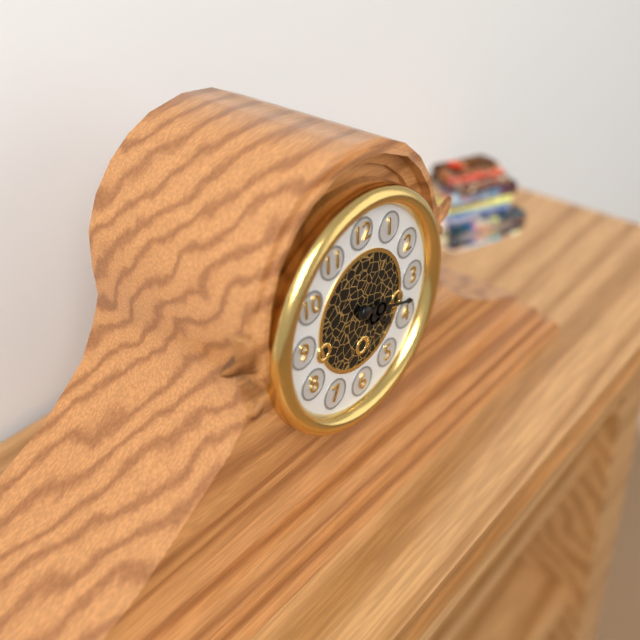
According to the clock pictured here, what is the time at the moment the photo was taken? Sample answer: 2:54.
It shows 4:18
